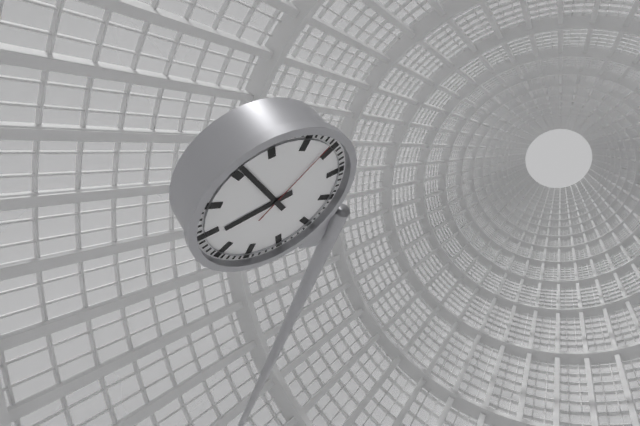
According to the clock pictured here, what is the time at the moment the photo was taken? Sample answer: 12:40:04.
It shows 7:51:04
